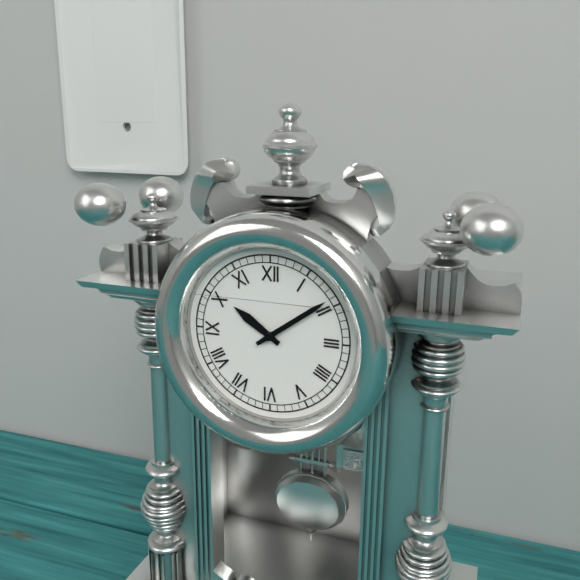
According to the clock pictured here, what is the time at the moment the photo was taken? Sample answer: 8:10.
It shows 10:09
